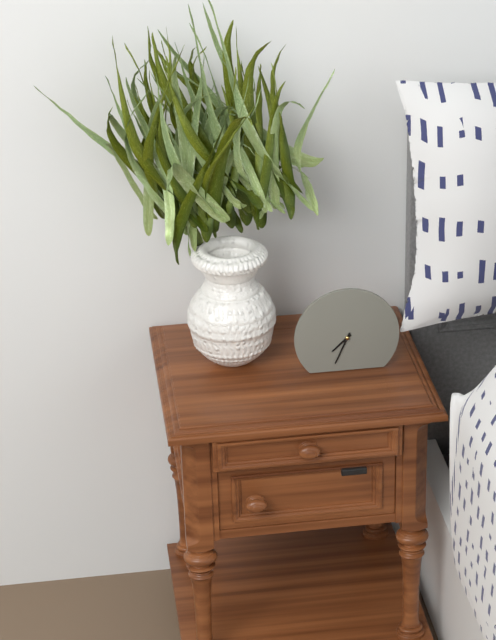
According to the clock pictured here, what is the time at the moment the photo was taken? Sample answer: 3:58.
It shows 7:34
